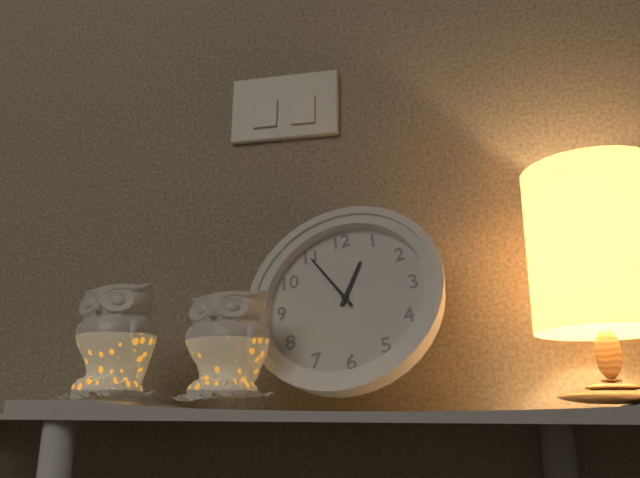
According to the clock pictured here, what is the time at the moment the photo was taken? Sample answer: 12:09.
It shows 12:55
